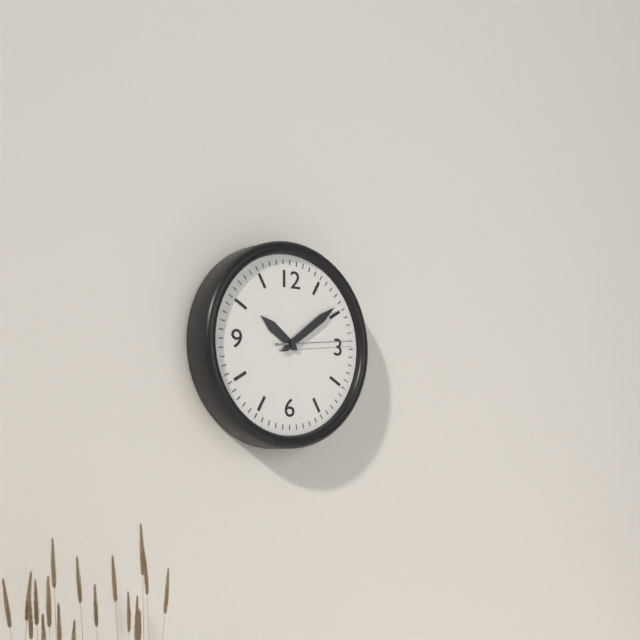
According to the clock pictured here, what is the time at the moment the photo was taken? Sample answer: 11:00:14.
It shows 10:09:14
